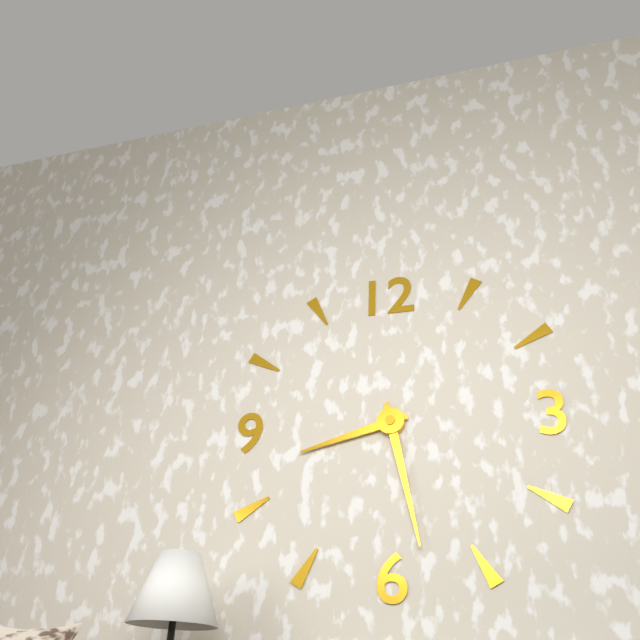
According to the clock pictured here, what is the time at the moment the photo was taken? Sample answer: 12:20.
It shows 8:28
